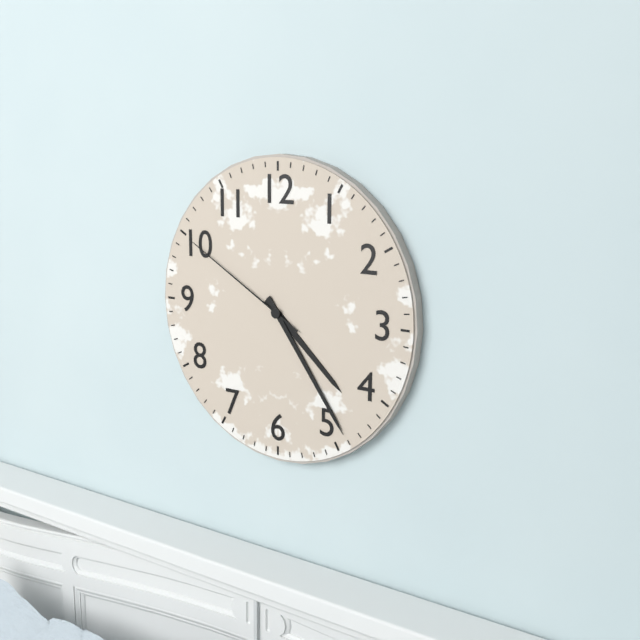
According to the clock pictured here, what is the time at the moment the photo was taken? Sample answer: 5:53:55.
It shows 4:24:50
